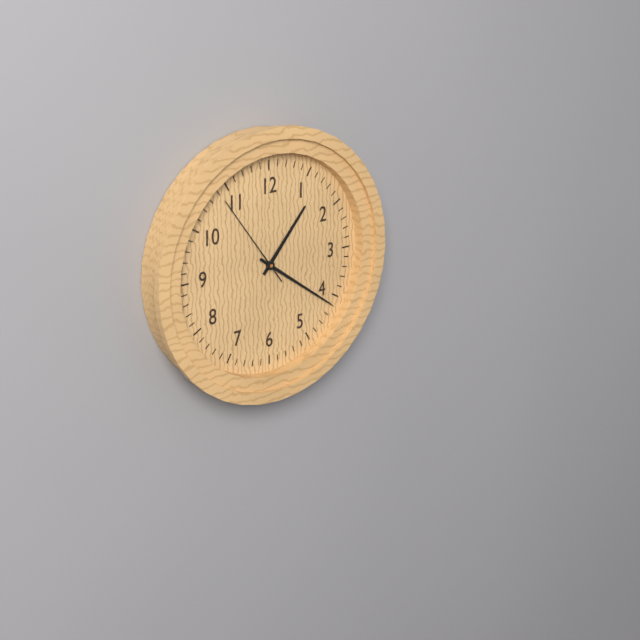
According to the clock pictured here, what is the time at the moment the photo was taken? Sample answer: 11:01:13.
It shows 1:21:54
